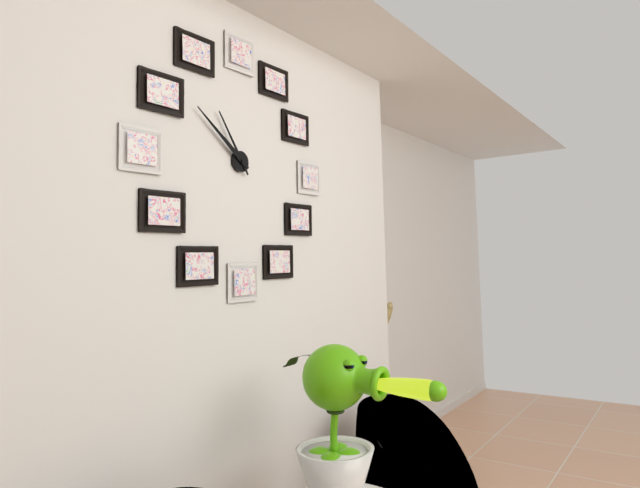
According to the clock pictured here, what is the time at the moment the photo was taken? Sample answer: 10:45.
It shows 10:51
